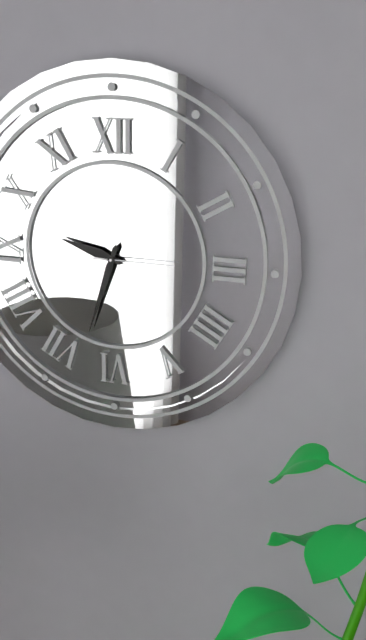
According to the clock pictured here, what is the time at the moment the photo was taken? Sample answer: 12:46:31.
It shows 9:33:15
